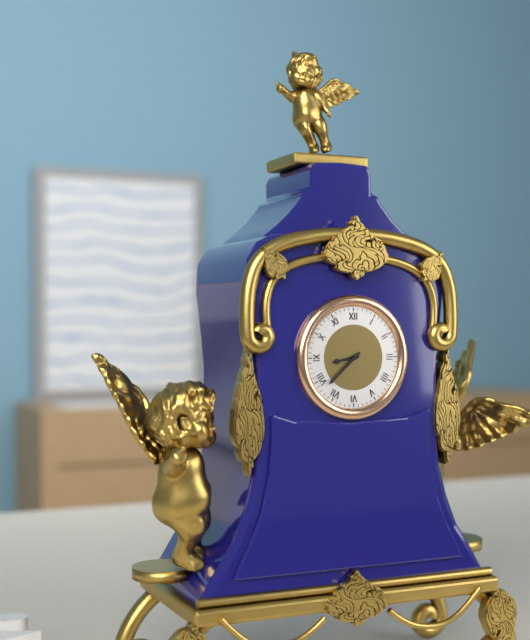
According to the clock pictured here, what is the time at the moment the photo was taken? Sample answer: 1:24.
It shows 8:38
